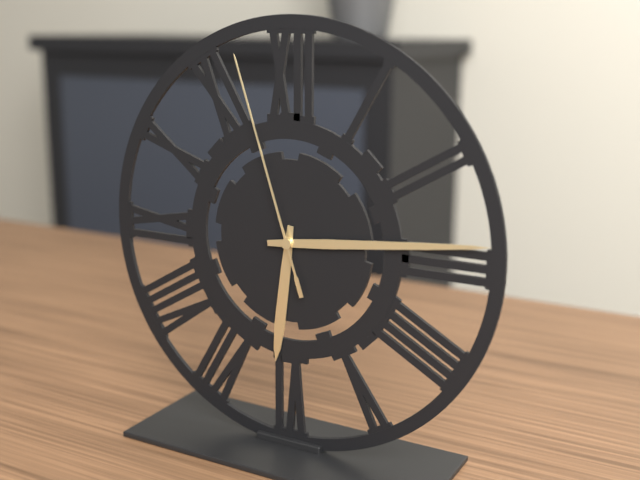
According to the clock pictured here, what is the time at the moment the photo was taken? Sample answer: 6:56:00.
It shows 6:14:57
